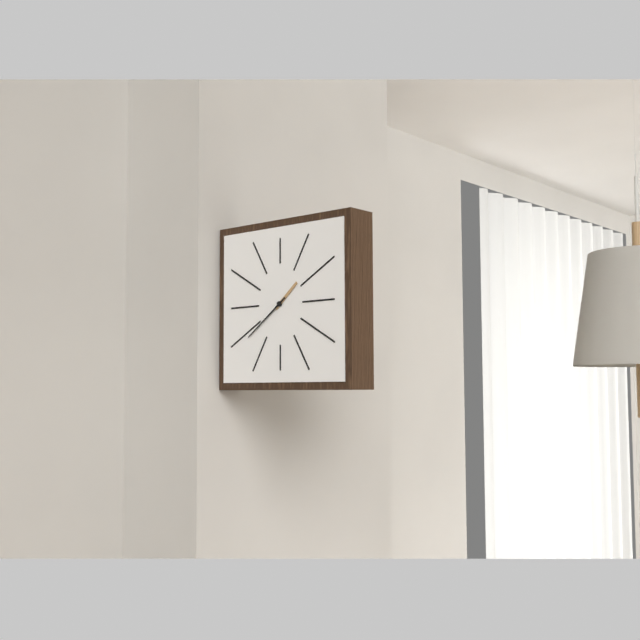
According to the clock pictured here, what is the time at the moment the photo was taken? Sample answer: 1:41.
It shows 1:39
